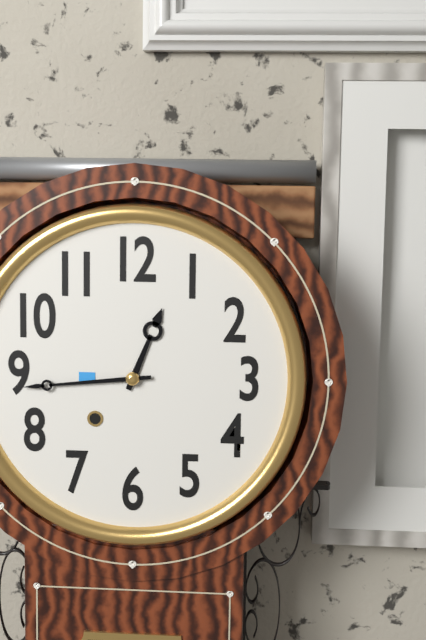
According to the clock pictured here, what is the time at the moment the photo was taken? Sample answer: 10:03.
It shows 12:44
